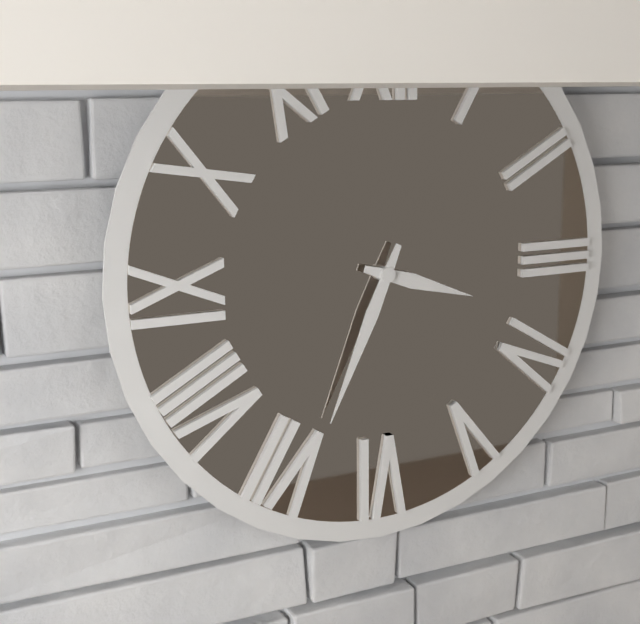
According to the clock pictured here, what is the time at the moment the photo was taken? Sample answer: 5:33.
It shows 3:34
